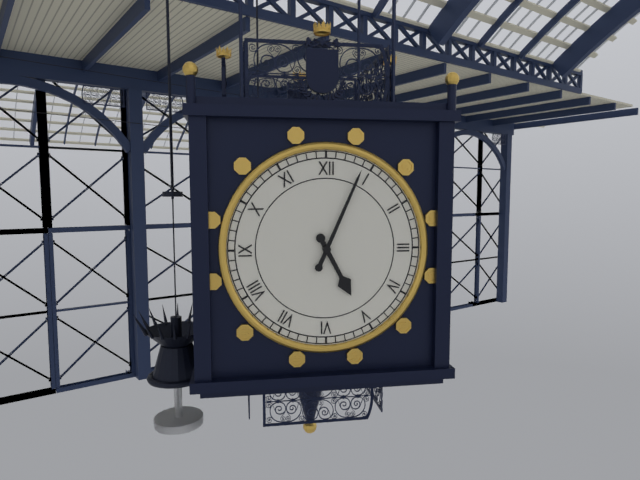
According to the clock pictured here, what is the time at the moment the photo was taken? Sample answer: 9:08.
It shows 5:04
